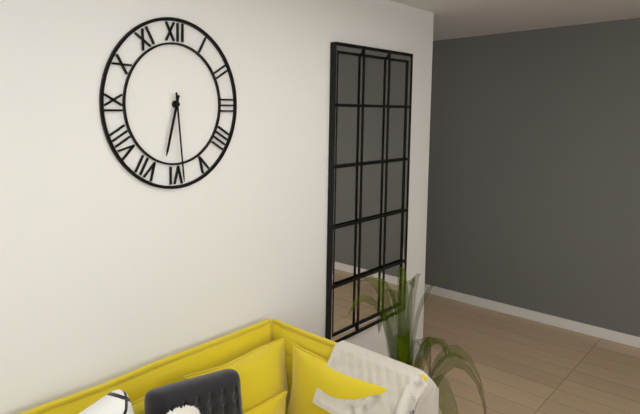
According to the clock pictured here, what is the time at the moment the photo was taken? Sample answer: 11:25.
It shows 6:29
